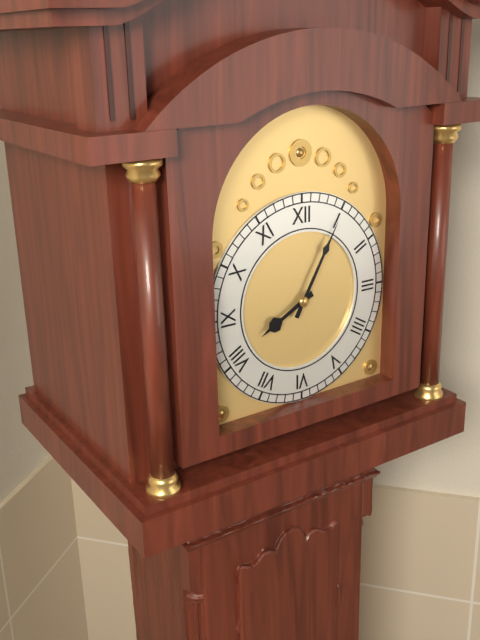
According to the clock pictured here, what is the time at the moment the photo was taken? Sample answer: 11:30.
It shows 8:05
